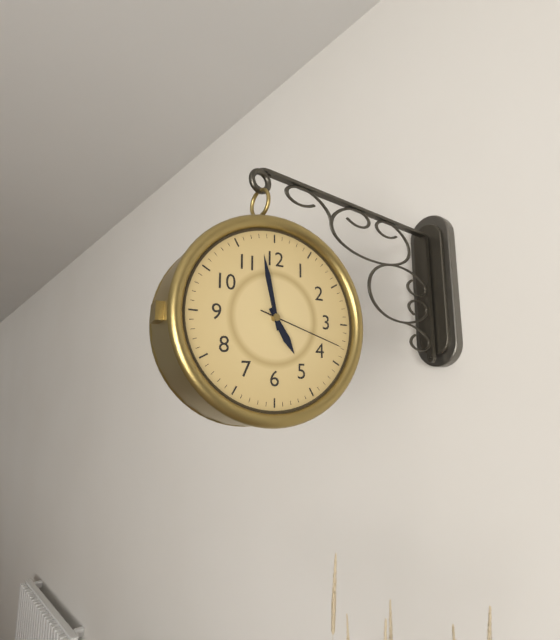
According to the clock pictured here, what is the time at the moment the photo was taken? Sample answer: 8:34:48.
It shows 4:58:18
